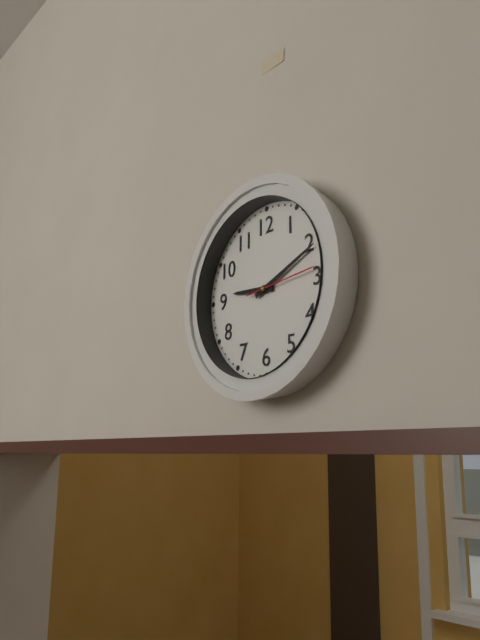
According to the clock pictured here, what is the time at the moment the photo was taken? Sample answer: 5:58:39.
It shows 9:11:14
